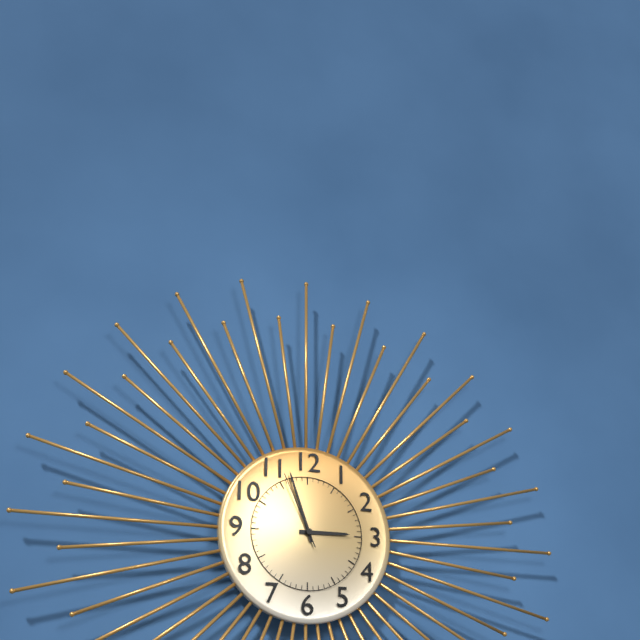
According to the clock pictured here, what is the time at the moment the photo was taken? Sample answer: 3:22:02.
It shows 2:57:56
